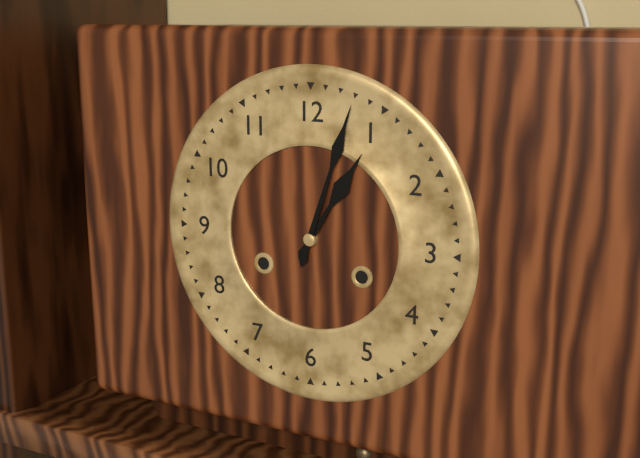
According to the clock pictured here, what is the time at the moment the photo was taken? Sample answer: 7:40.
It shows 1:03
